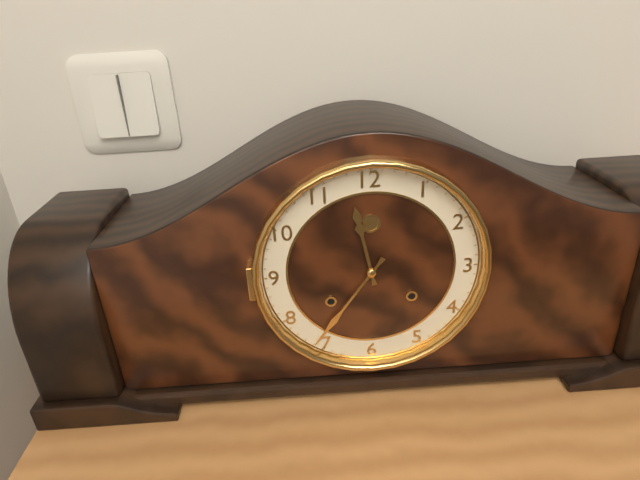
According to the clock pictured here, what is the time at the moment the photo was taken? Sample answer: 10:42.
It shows 11:36
